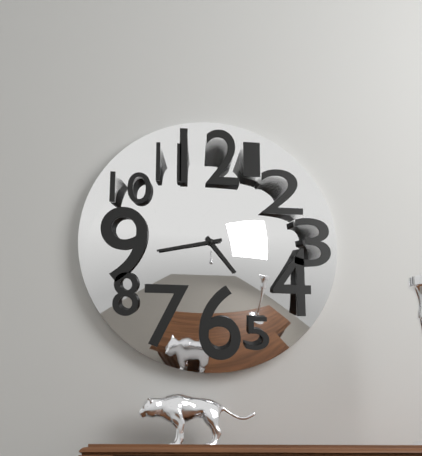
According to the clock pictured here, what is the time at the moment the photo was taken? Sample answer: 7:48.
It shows 4:43
